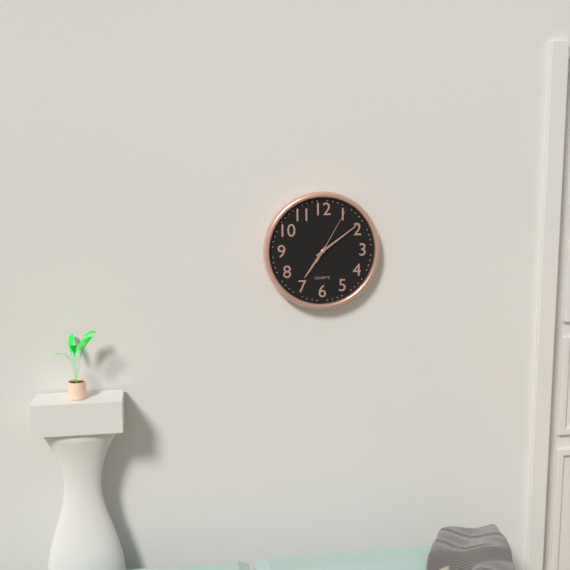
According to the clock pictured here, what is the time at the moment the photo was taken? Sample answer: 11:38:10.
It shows 7:09:05
